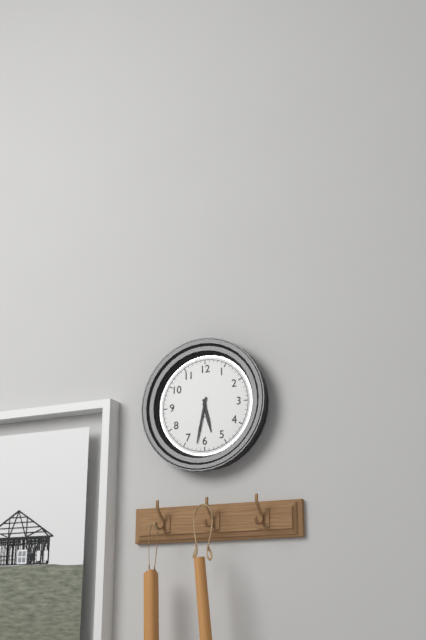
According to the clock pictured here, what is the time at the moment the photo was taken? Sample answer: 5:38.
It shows 5:32
